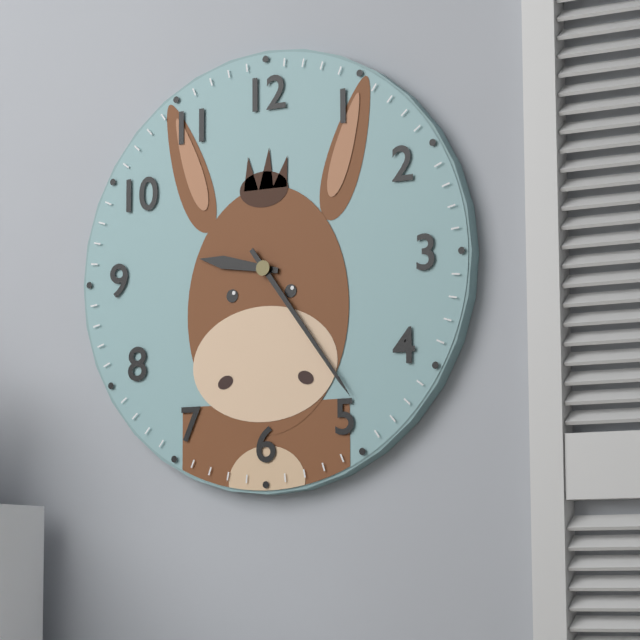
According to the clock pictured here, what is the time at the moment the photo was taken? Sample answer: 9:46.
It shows 9:24
